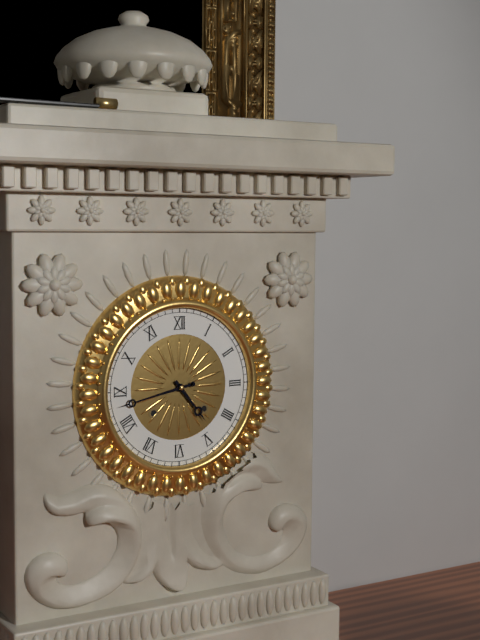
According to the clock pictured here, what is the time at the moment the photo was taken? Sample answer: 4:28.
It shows 4:43
